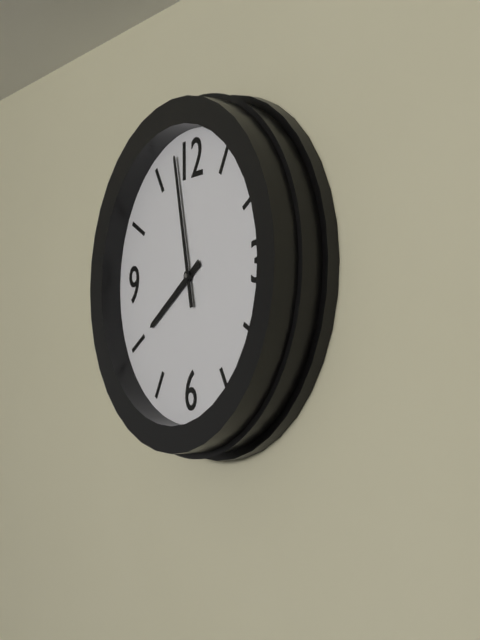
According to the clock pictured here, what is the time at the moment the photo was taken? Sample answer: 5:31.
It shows 7:58
